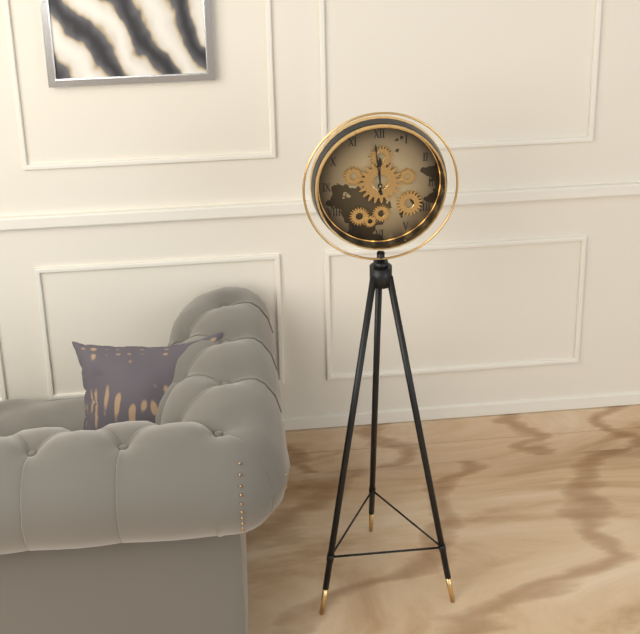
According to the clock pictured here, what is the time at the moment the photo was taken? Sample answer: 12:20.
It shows 11:59
